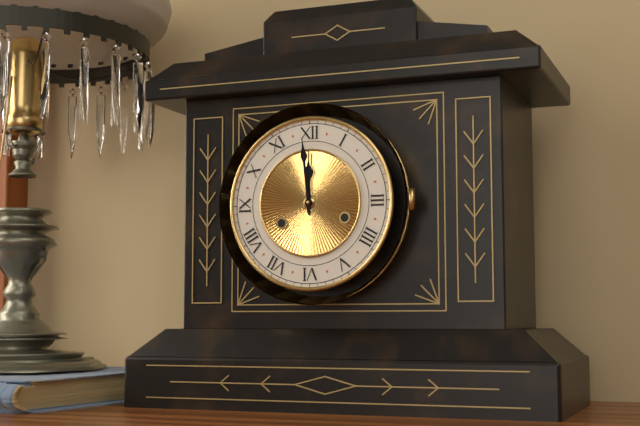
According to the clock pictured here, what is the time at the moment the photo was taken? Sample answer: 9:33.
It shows 11:59
